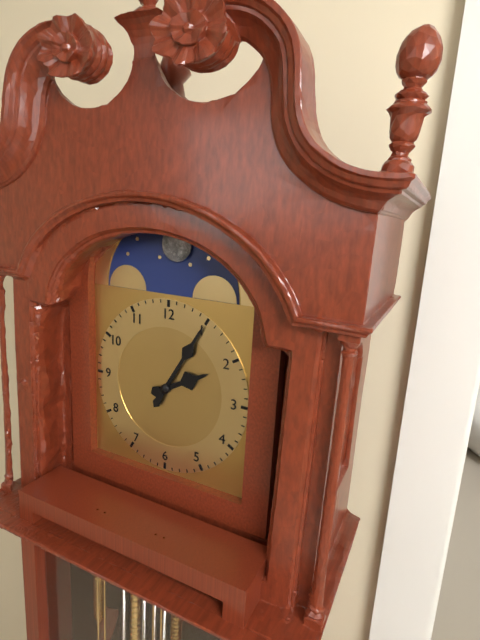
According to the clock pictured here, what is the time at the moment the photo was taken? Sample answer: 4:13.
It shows 2:05
